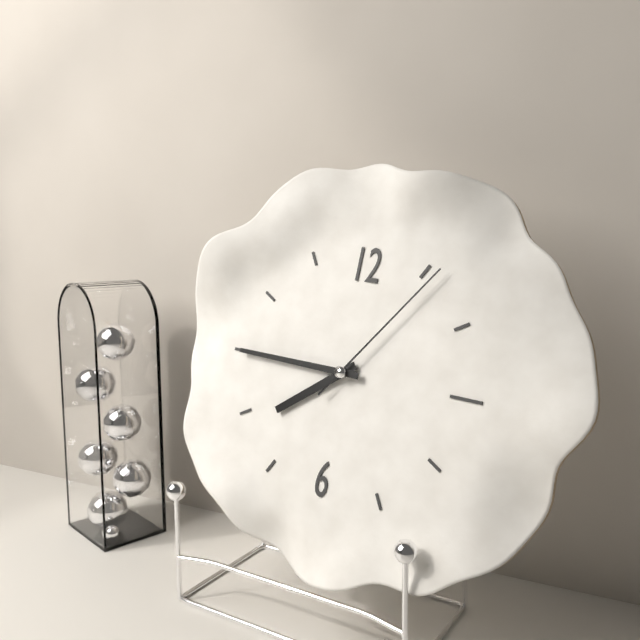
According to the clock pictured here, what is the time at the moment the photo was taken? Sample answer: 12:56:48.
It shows 7:45:06
